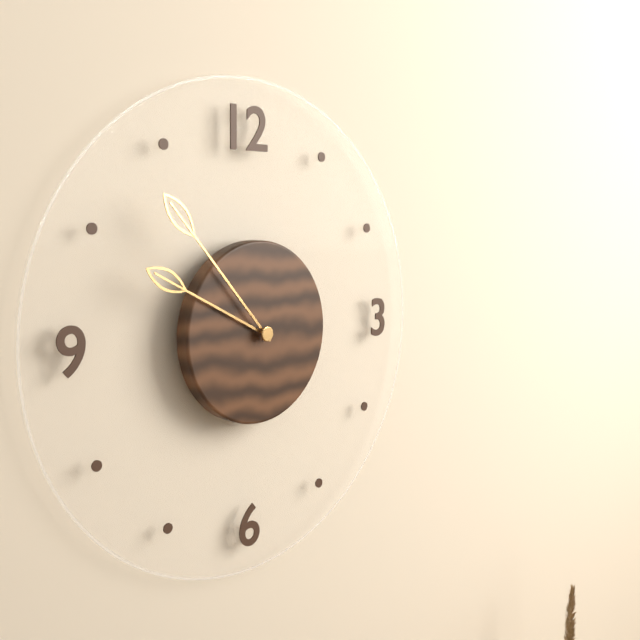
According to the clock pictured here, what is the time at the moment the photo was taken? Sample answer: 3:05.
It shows 9:53
